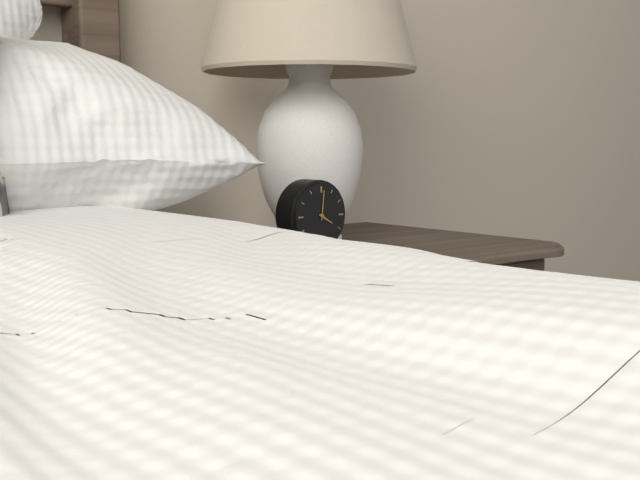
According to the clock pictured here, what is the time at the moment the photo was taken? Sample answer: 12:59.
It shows 4:01
